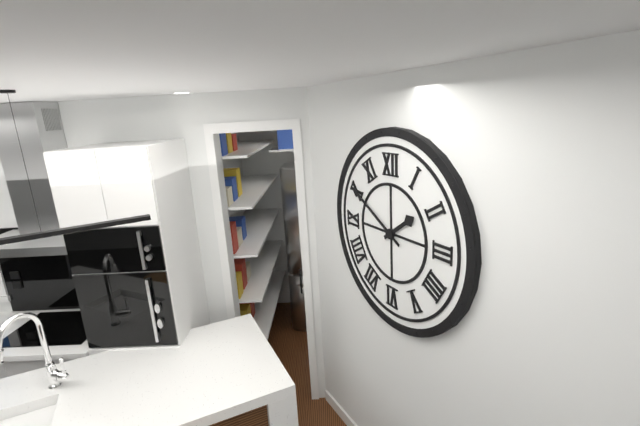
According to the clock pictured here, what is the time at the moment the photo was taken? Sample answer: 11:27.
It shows 1:50
